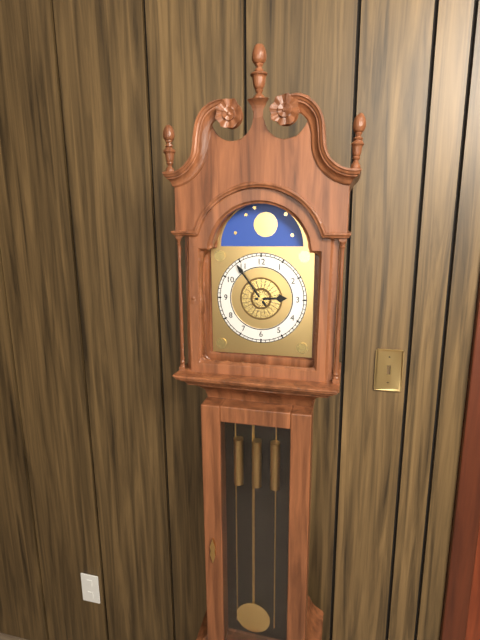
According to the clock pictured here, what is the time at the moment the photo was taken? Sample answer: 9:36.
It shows 2:54
